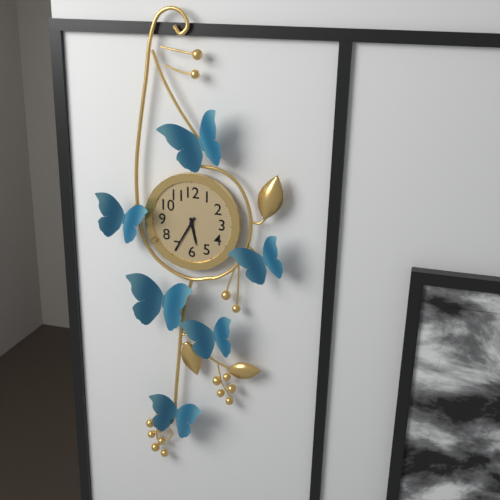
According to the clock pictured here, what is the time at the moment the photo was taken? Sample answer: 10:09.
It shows 5:35
